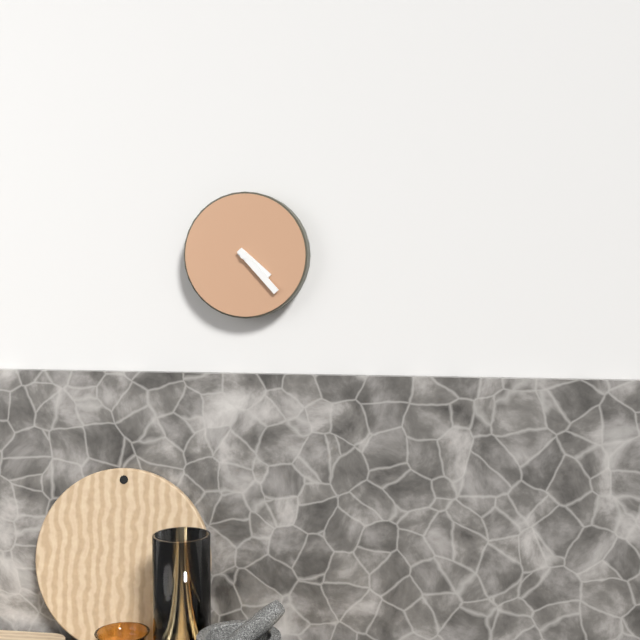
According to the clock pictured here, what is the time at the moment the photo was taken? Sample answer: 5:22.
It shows 4:23
